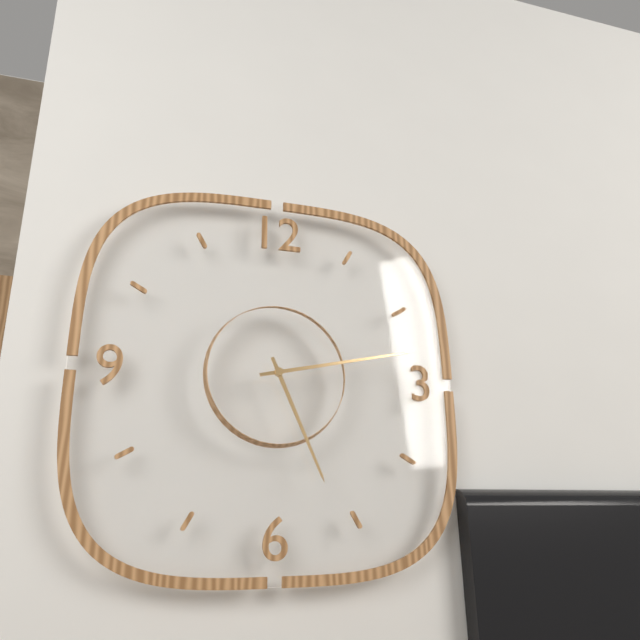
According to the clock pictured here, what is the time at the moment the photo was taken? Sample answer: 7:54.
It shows 5:13
